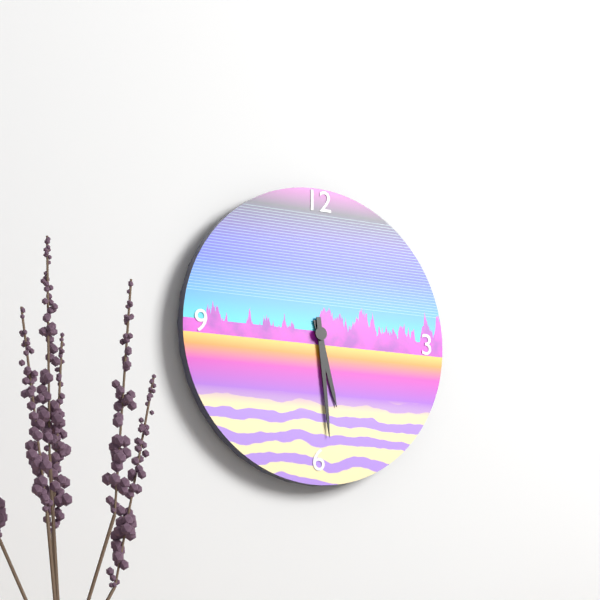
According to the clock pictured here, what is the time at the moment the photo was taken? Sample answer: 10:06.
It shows 5:29
